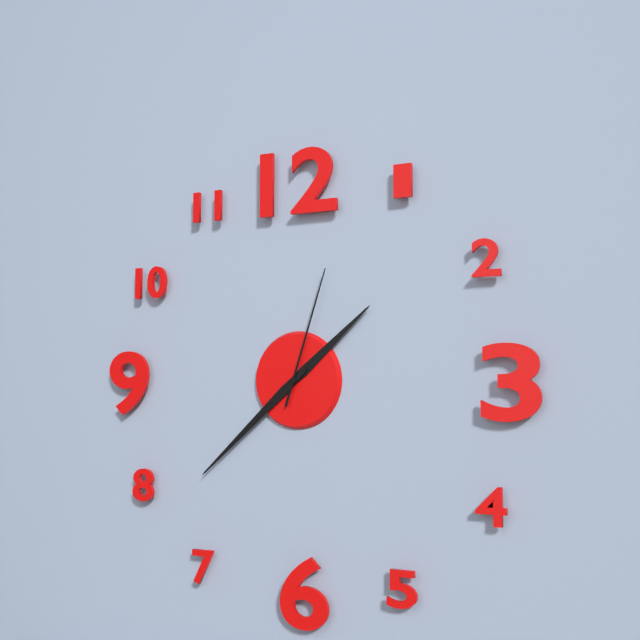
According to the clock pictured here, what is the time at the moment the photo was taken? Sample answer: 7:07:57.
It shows 1:38:03
